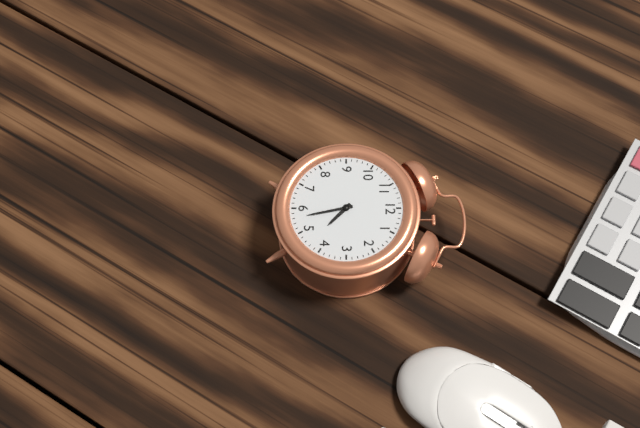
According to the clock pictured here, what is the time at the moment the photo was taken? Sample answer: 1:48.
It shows 4:28
